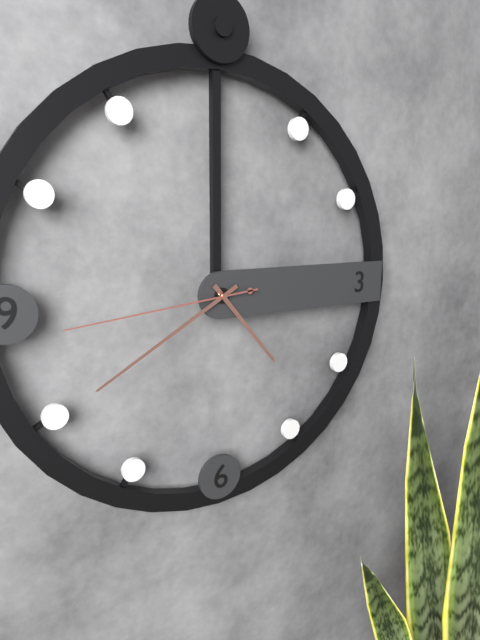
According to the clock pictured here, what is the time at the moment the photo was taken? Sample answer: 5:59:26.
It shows 4:40:44
